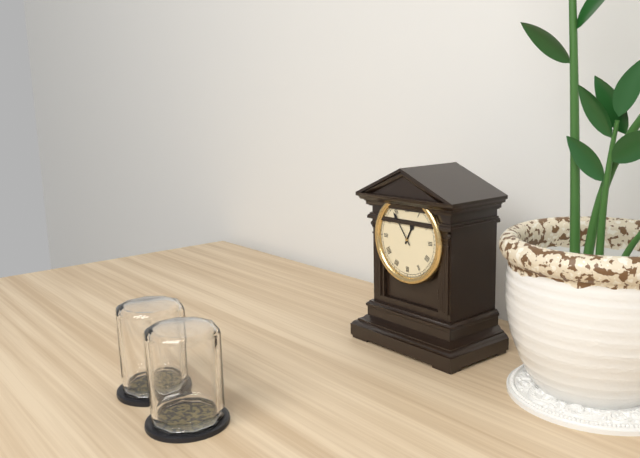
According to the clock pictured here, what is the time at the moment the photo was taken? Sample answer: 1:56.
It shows 12:54
